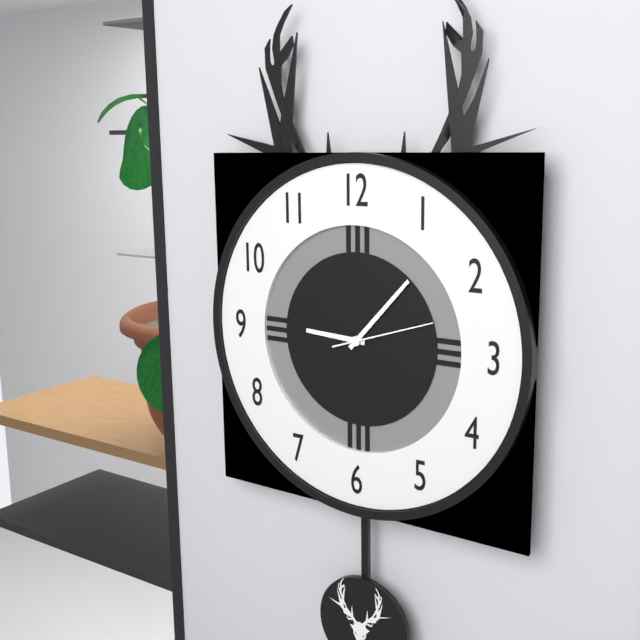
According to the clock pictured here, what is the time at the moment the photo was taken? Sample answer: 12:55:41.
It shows 9:07:12
